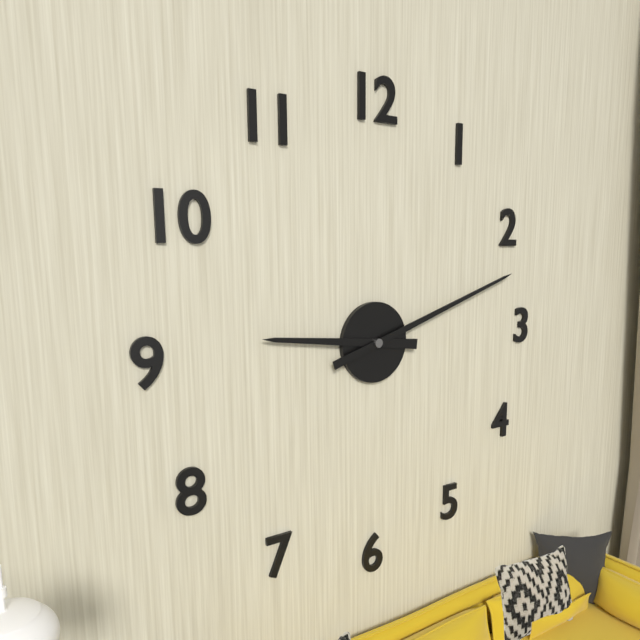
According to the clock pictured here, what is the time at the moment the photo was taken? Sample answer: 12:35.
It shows 9:12
